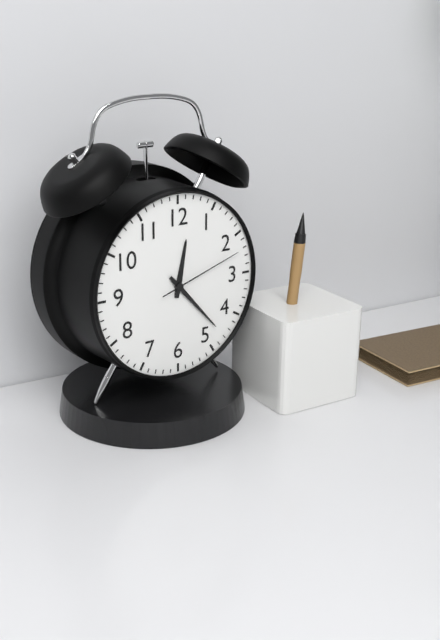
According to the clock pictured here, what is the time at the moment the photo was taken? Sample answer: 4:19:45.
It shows 12:23:12
